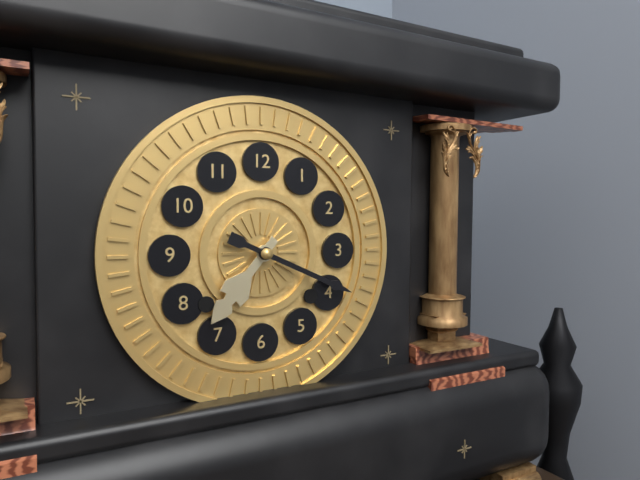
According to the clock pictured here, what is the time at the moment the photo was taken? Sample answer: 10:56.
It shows 7:19
